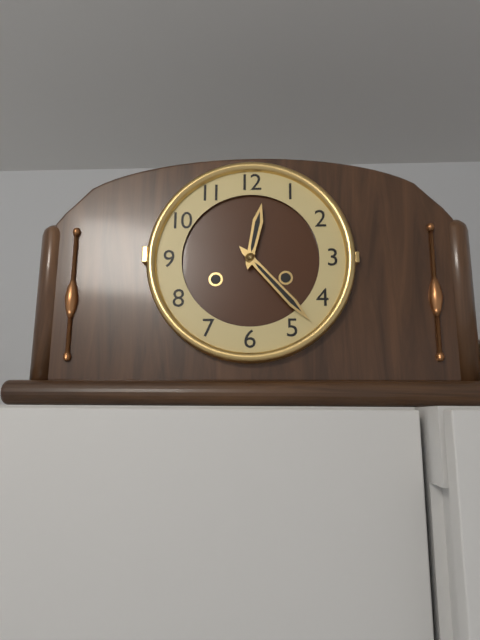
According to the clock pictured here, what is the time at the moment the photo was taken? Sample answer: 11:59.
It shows 12:23
